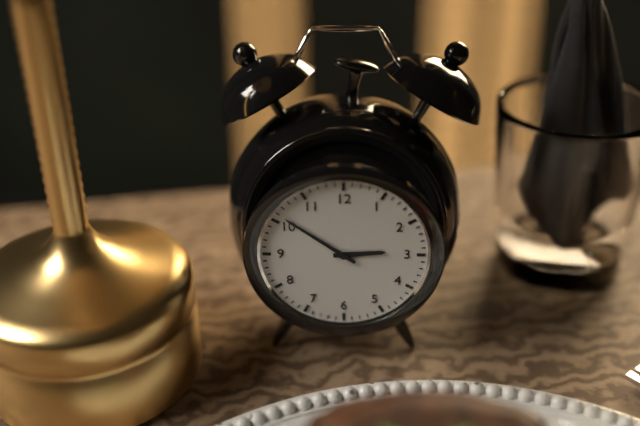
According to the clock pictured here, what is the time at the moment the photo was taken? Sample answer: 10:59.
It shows 2:51
